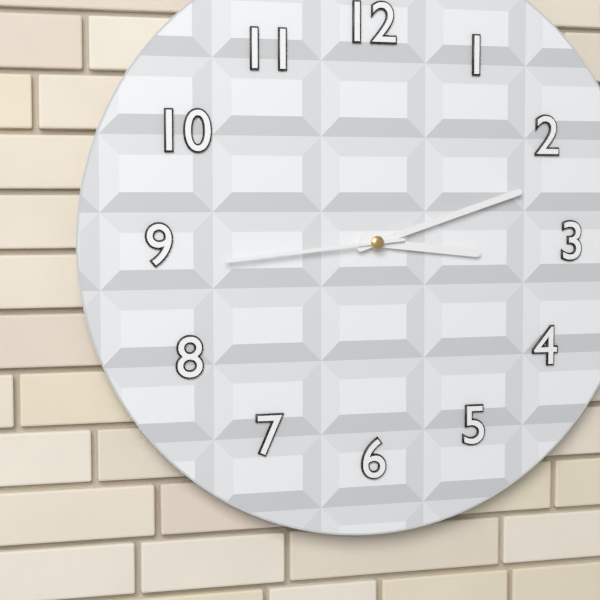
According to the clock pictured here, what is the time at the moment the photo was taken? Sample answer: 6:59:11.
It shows 3:12:44
